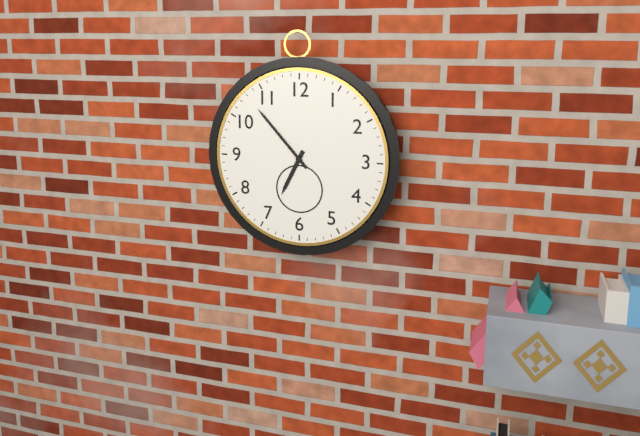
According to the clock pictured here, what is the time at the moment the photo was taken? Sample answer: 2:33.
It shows 6:53
